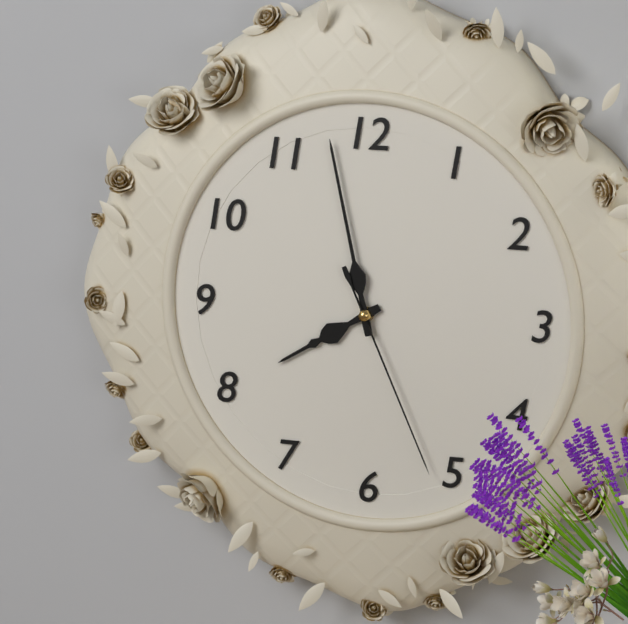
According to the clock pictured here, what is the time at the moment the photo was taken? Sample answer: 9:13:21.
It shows 7:58:26
